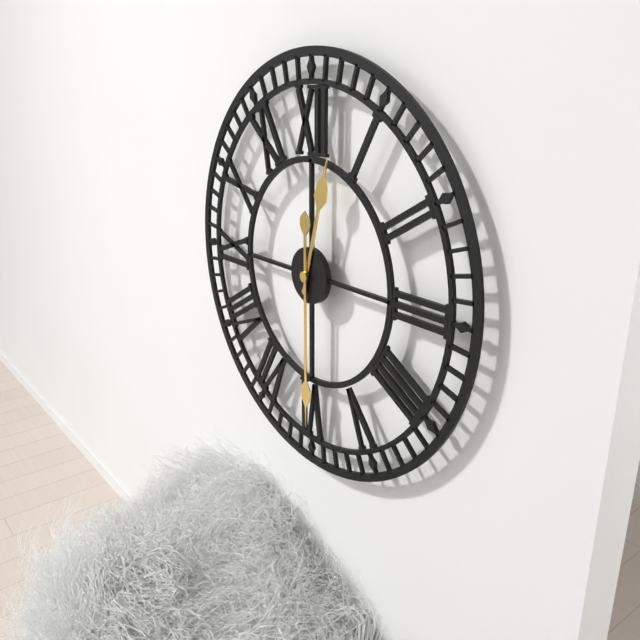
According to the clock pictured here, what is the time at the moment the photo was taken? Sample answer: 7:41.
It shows 12:30
